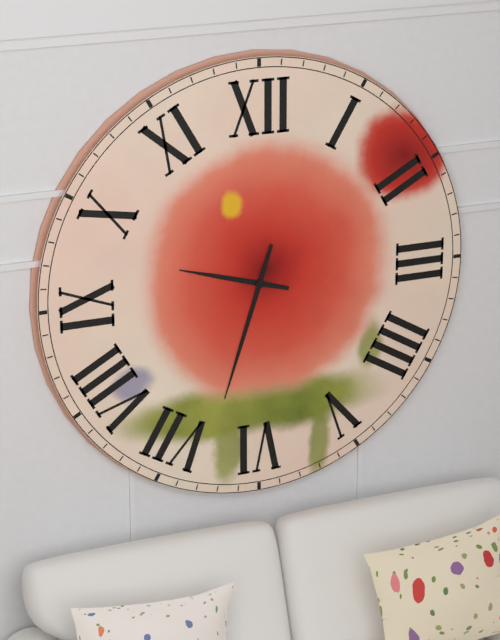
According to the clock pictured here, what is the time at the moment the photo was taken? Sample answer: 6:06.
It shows 9:33
